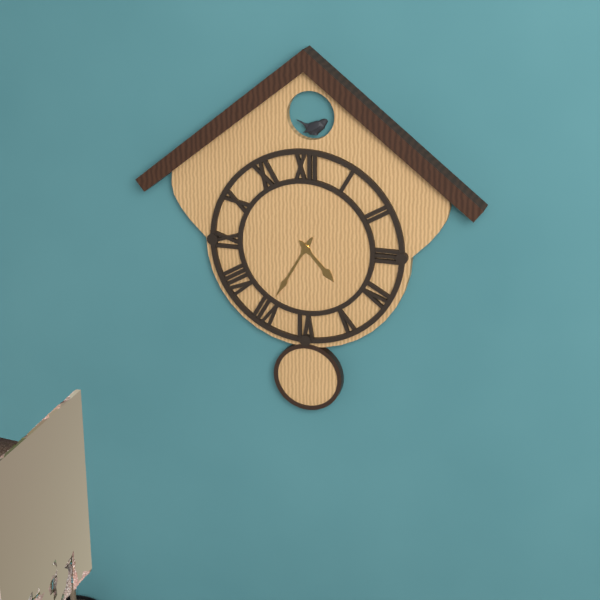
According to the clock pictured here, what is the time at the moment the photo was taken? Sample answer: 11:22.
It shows 4:35
